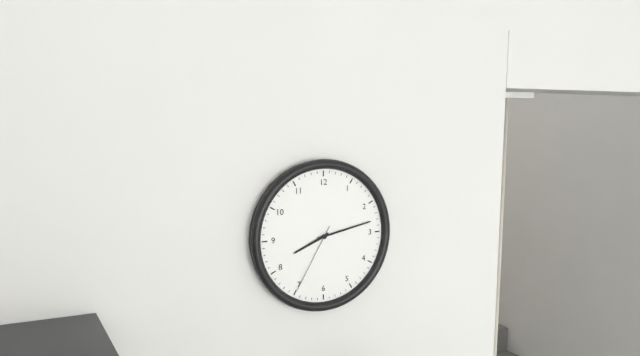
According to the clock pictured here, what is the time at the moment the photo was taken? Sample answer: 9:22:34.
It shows 8:13:35
